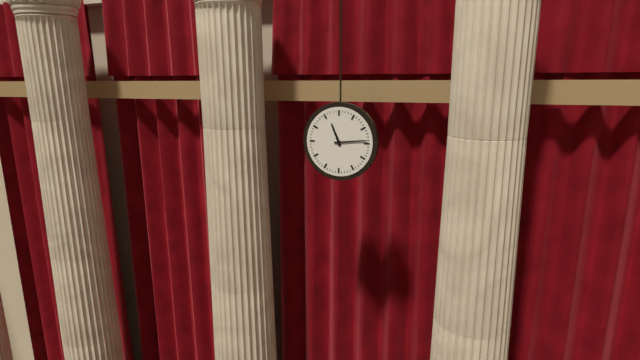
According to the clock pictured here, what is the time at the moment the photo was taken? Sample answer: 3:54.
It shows 11:14
